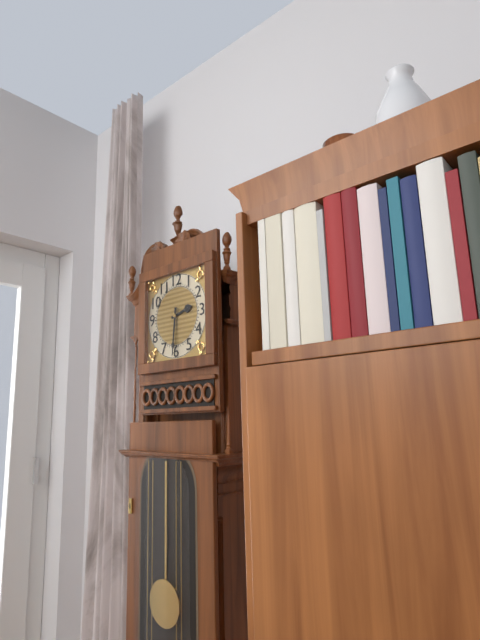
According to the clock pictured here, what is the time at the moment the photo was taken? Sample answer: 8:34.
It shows 2:31
